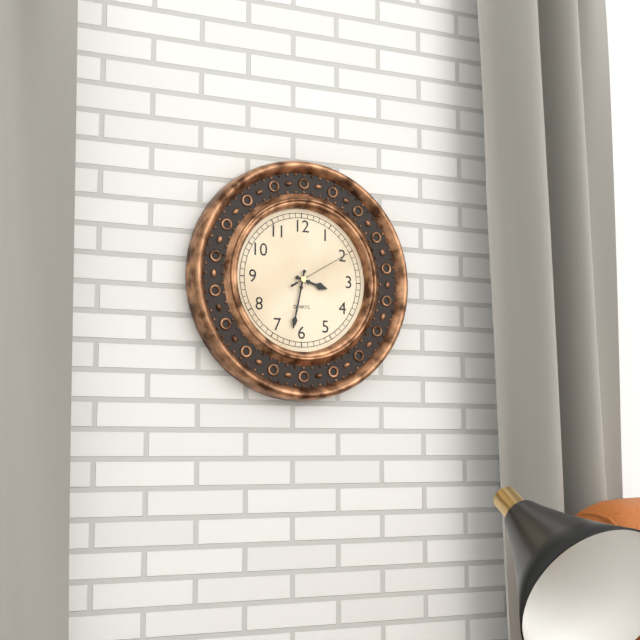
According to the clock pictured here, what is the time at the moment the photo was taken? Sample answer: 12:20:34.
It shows 3:32:10
